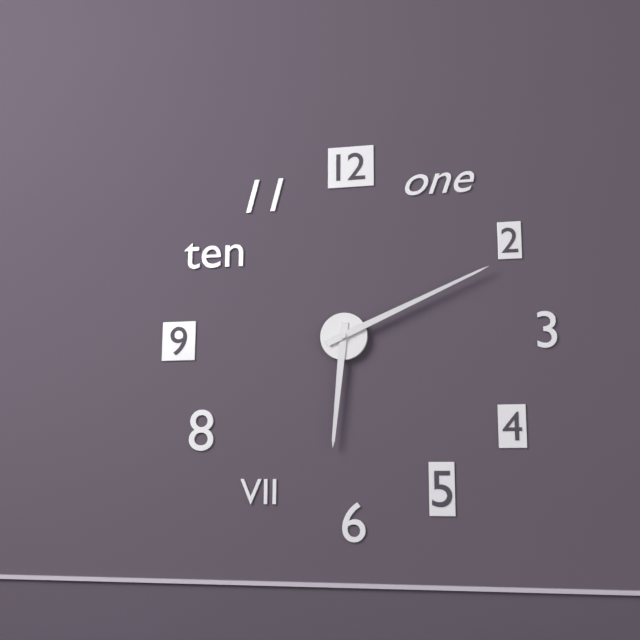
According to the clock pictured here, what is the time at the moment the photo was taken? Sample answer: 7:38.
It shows 6:11
